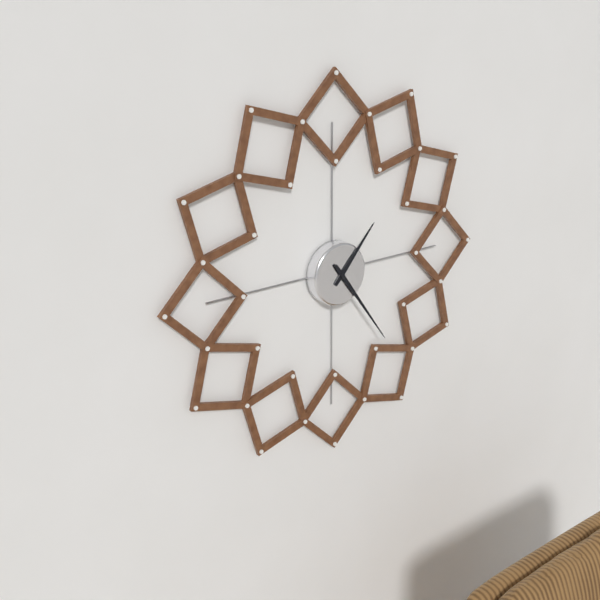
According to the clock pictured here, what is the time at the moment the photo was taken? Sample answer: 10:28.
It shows 1:24
